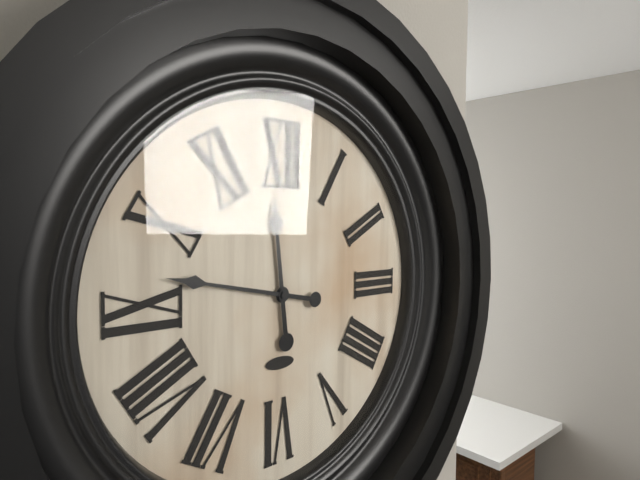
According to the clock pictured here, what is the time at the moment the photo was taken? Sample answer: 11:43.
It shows 11:47
